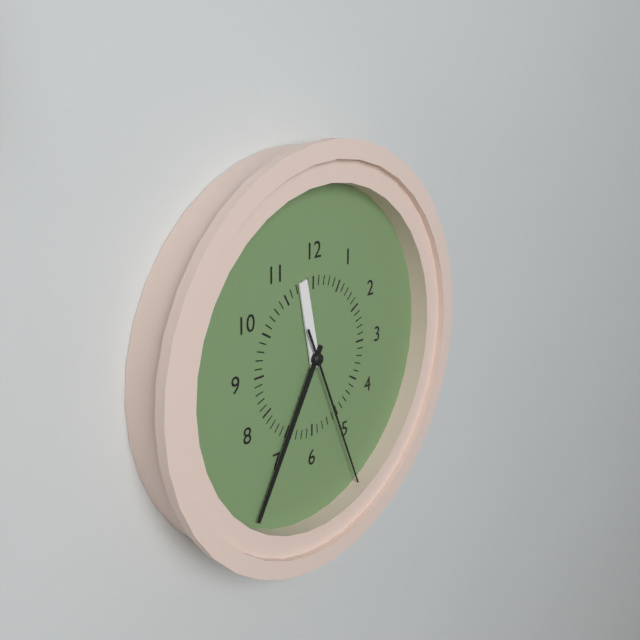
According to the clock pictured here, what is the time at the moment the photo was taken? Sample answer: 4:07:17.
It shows 11:35:26
